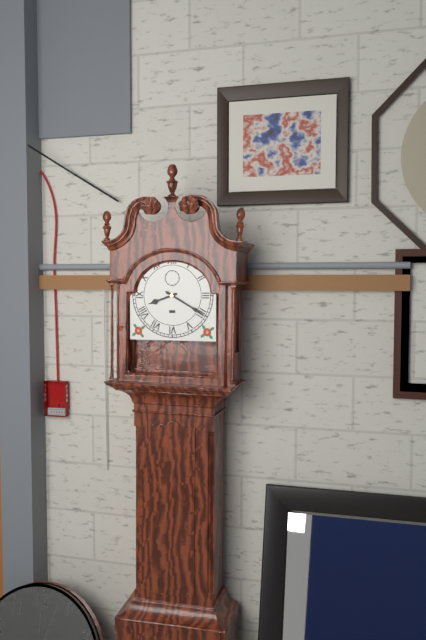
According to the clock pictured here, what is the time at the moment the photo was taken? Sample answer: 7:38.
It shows 8:20
